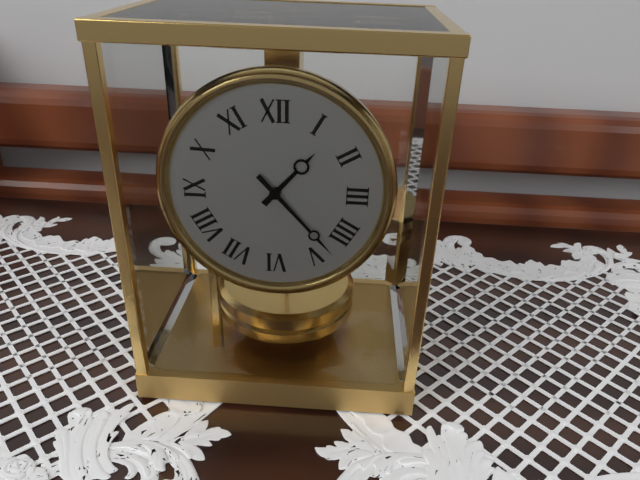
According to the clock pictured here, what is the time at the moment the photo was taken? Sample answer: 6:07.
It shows 1:23
